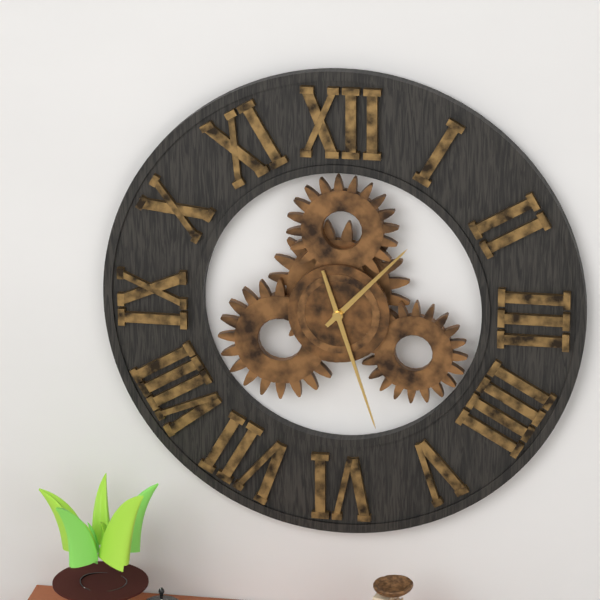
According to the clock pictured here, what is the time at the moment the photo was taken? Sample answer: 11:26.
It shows 1:27
